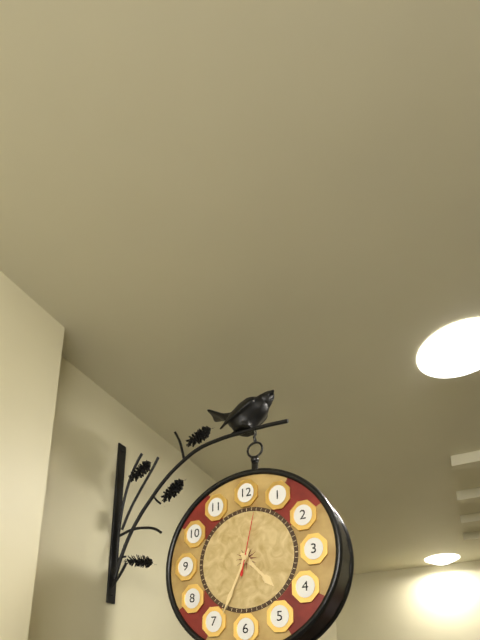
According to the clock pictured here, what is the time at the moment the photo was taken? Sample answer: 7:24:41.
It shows 4:34:02
